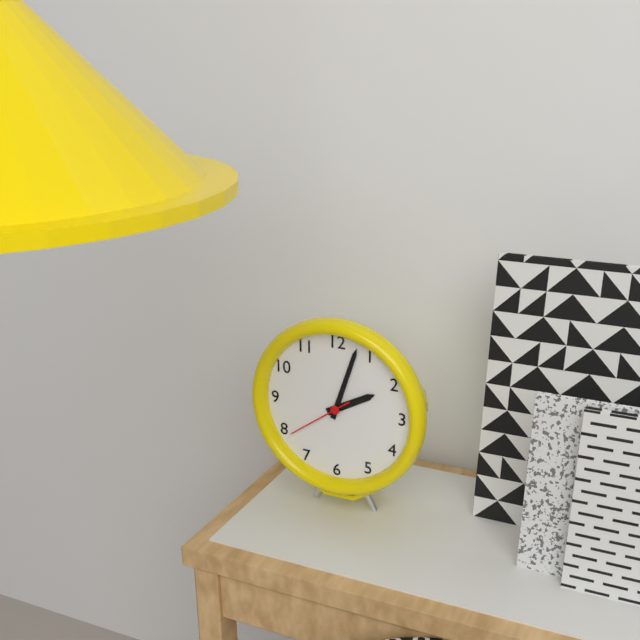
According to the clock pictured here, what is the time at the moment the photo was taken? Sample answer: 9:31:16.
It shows 2:03:39
